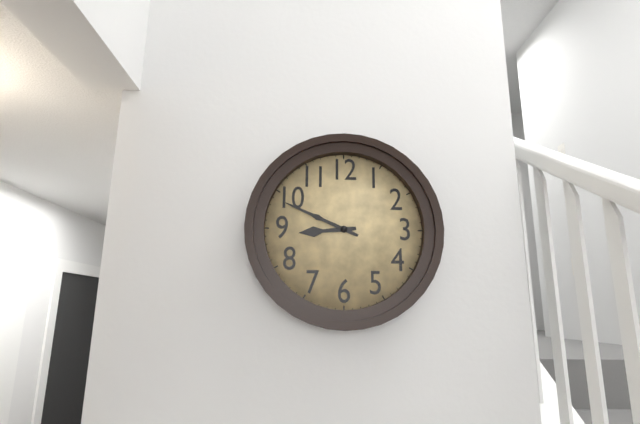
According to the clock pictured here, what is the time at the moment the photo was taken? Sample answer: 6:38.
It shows 8:49
